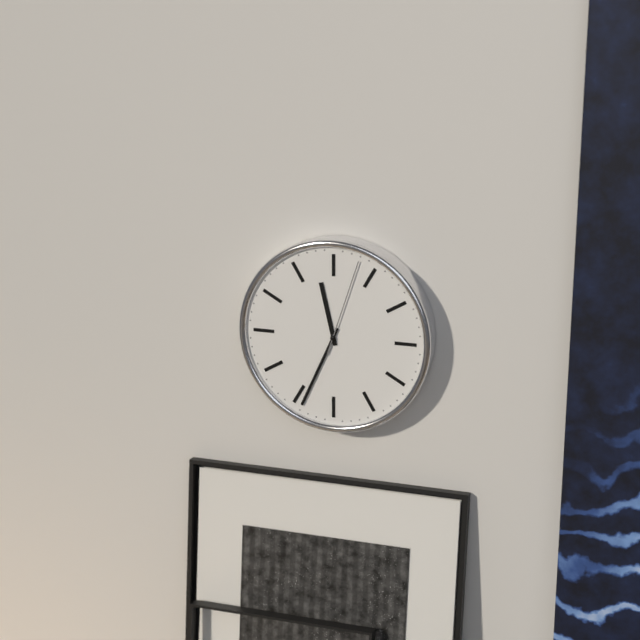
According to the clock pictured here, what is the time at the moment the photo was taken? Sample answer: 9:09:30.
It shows 11:34:03
